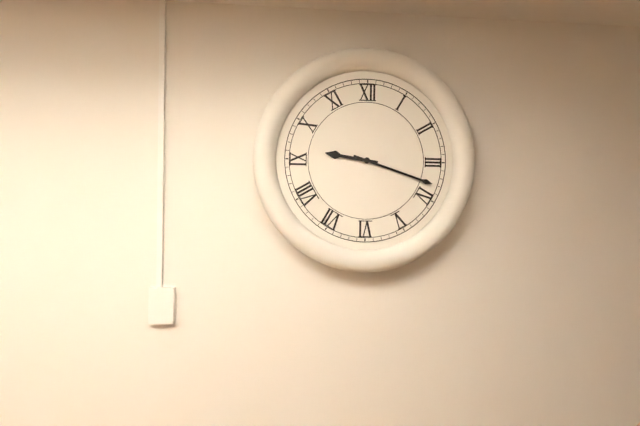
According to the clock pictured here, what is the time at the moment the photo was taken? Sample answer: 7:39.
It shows 9:18
